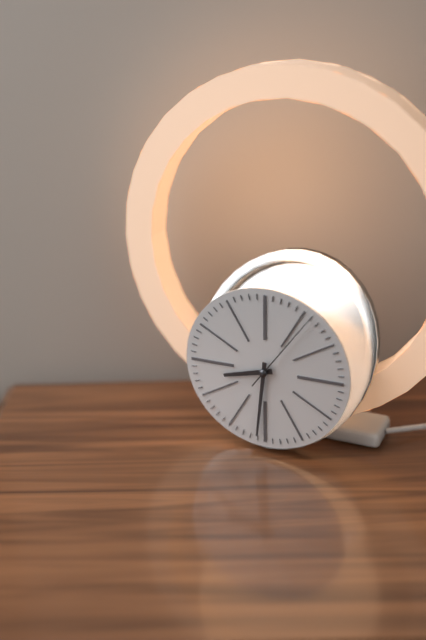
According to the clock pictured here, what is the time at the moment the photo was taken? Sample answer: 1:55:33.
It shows 8:31:06
